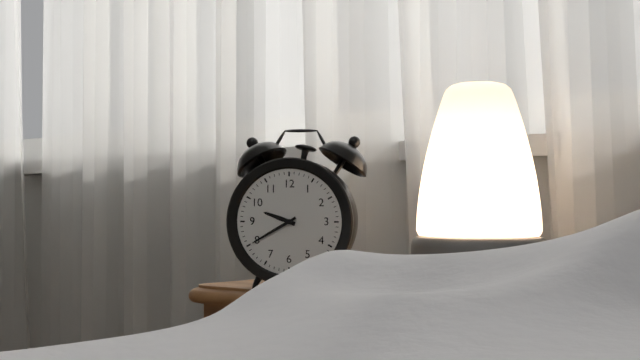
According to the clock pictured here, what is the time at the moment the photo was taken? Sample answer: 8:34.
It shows 9:40
